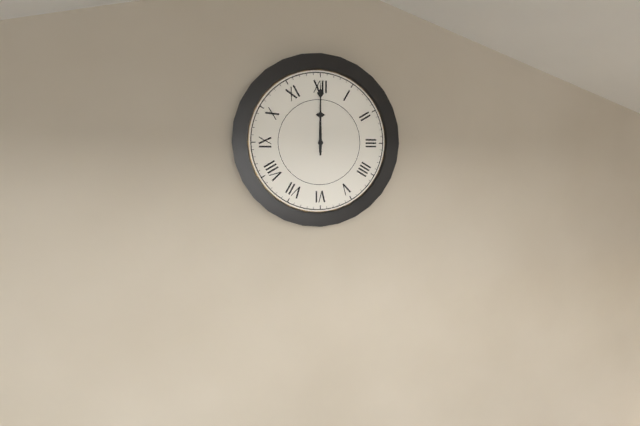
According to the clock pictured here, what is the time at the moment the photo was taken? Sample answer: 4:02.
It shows 12:00
